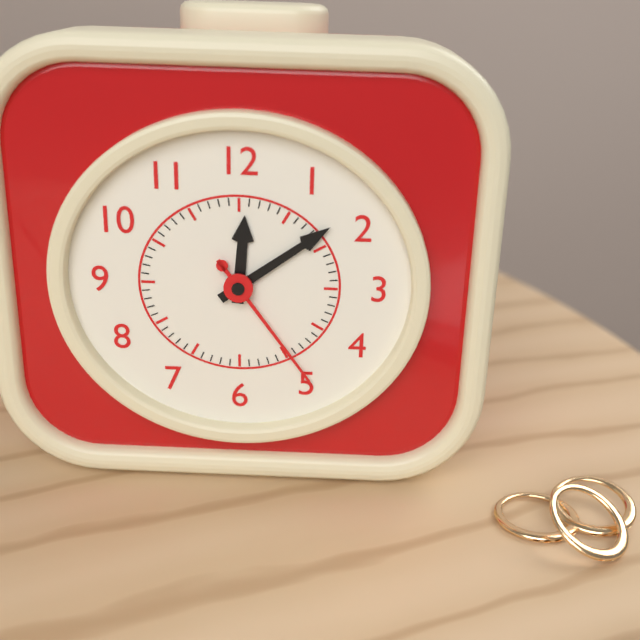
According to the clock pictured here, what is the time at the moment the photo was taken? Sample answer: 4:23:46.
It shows 12:09:24
